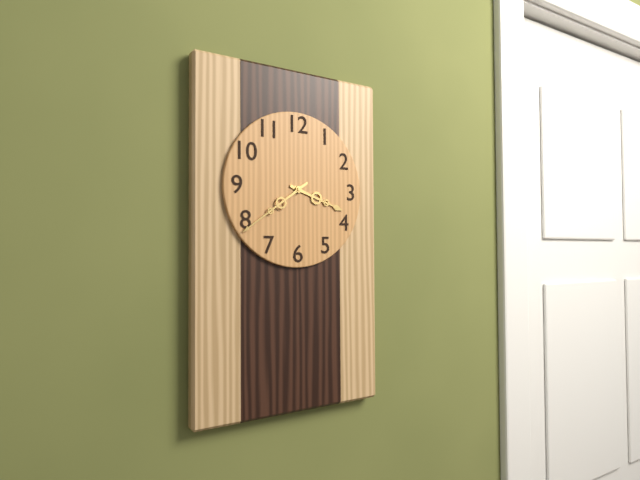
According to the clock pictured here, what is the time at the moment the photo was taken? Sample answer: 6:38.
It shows 3:39
